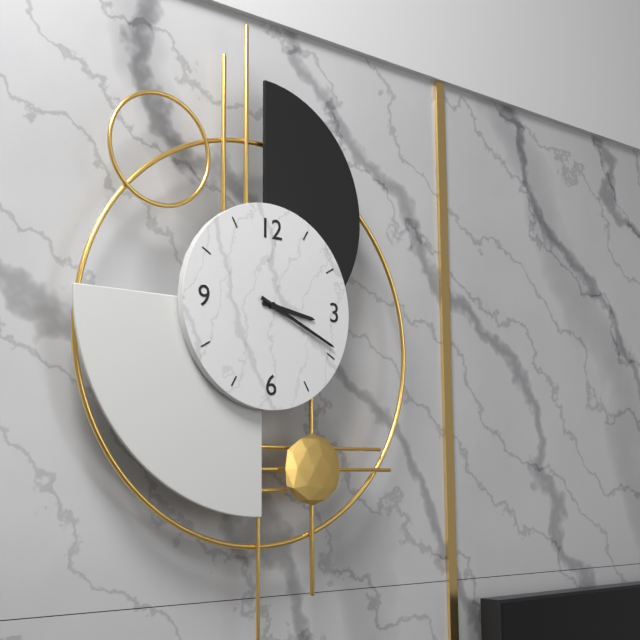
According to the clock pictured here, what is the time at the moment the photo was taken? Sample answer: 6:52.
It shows 3:19
